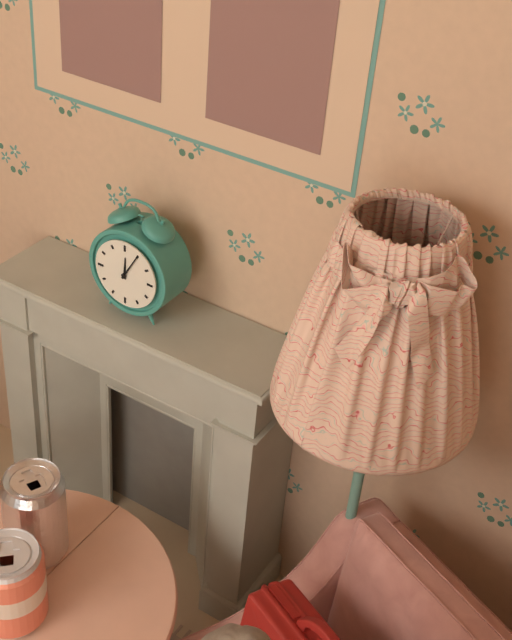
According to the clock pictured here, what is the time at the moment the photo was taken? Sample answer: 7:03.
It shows 12:05
